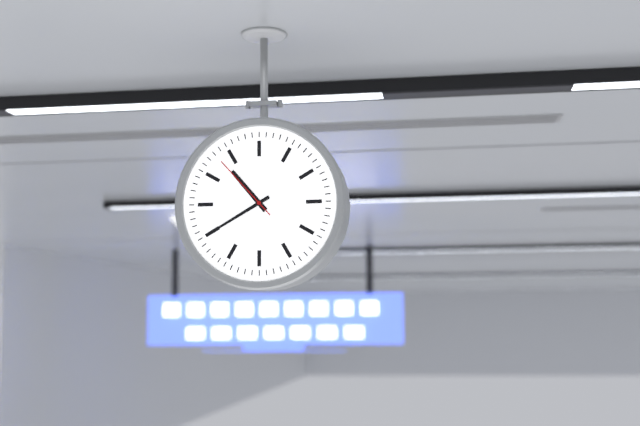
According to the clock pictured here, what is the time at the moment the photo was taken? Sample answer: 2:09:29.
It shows 10:40:53
